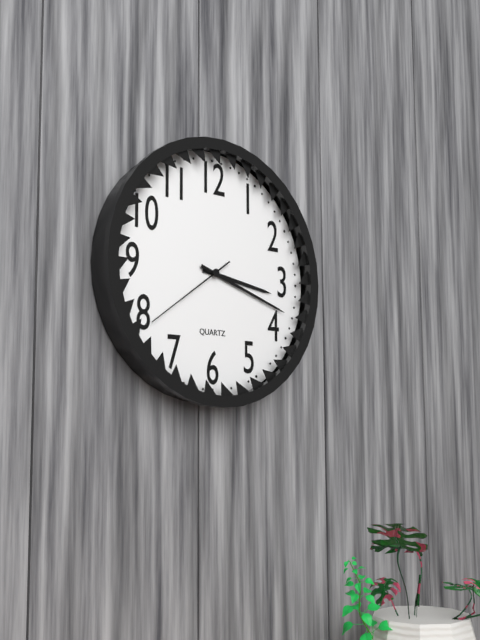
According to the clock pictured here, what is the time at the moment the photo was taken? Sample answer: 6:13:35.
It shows 3:18:39
